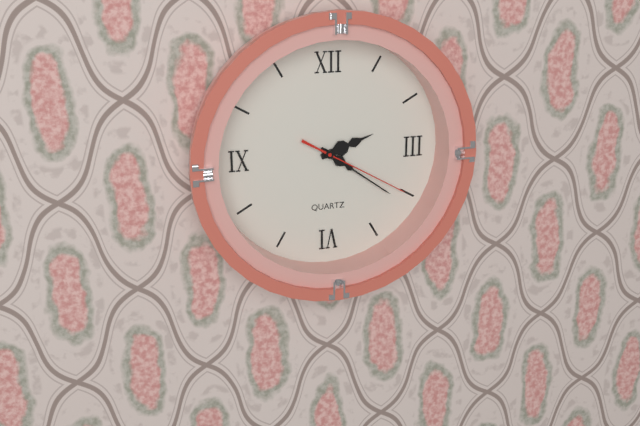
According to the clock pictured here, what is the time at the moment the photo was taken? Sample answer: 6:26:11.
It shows 2:21:20
